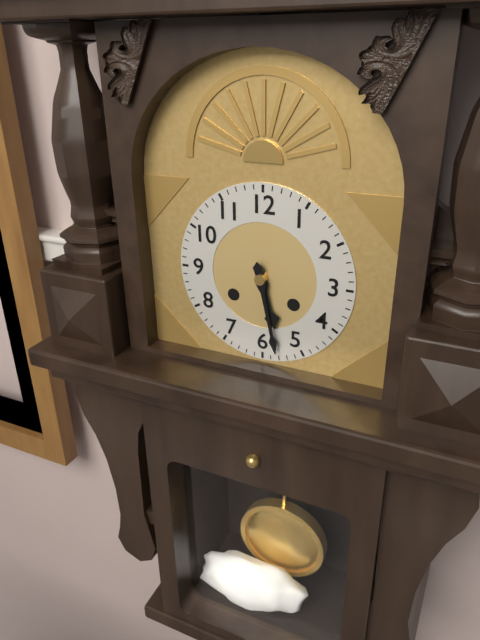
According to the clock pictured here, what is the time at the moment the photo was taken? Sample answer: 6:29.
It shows 5:28
